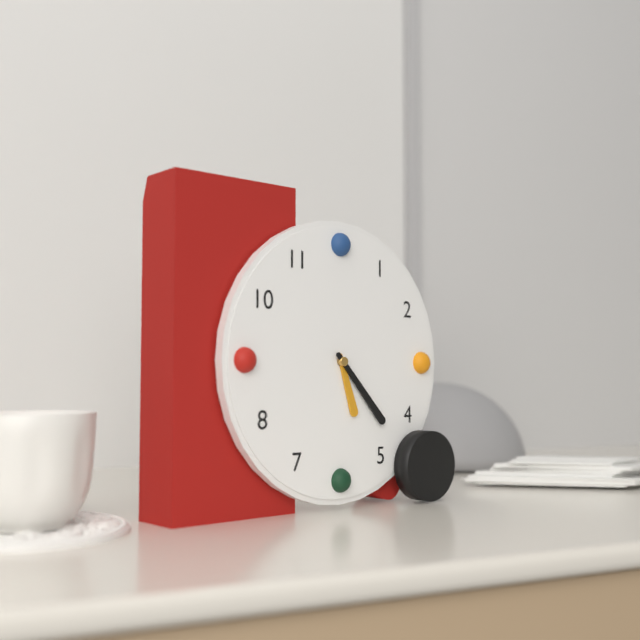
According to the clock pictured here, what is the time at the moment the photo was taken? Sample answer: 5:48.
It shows 5:23
